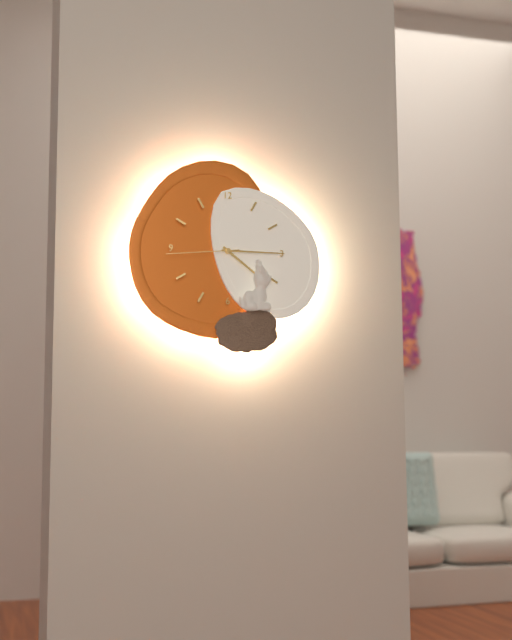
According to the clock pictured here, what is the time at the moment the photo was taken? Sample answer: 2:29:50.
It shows 4:15:44
